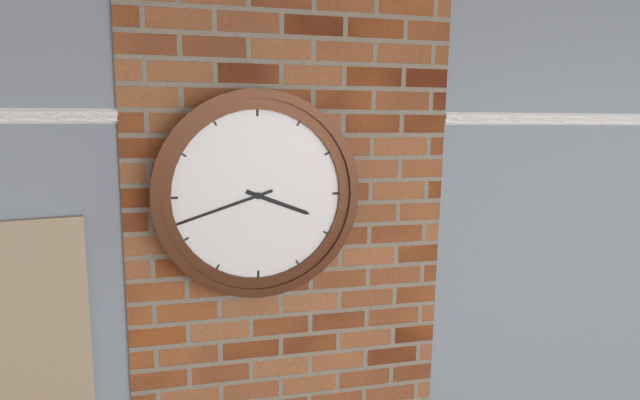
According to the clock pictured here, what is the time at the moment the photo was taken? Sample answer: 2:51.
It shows 3:42
